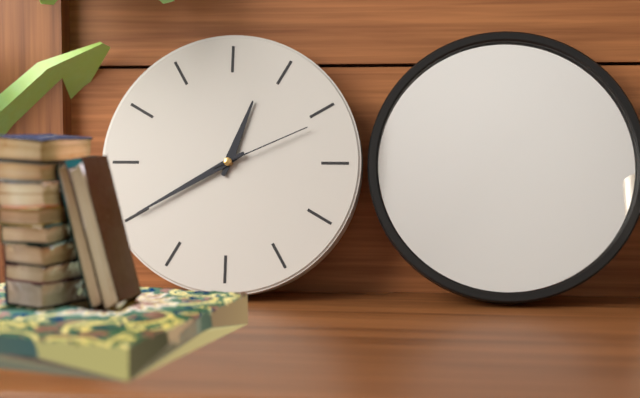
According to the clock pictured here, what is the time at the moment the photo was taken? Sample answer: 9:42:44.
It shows 12:40:11
